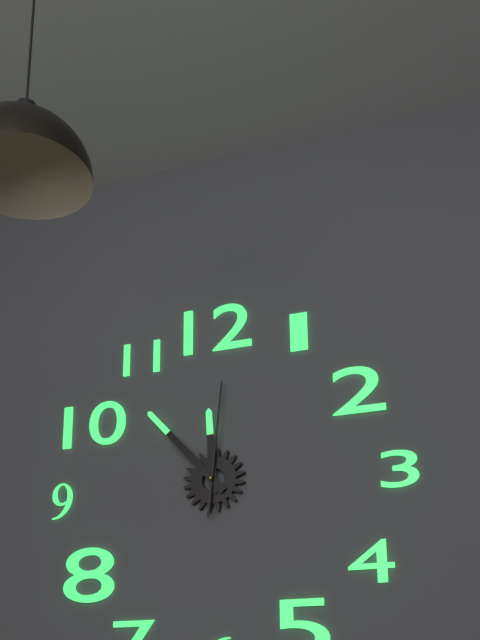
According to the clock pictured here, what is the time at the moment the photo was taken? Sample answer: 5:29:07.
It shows 11:53:01
